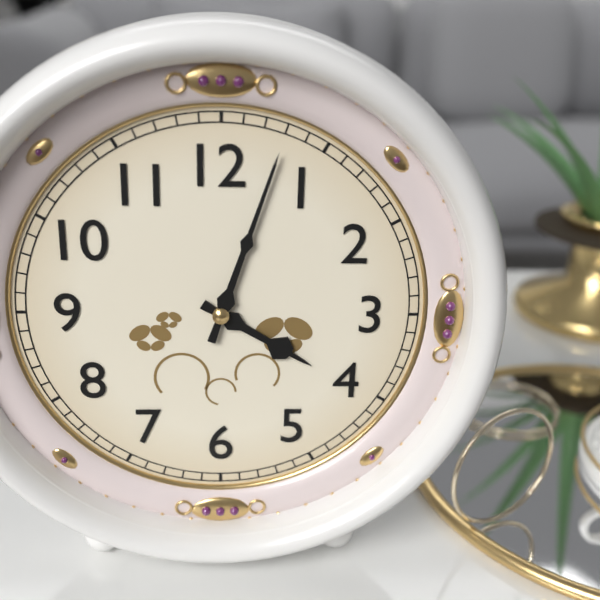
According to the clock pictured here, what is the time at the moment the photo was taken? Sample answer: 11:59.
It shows 4:03
